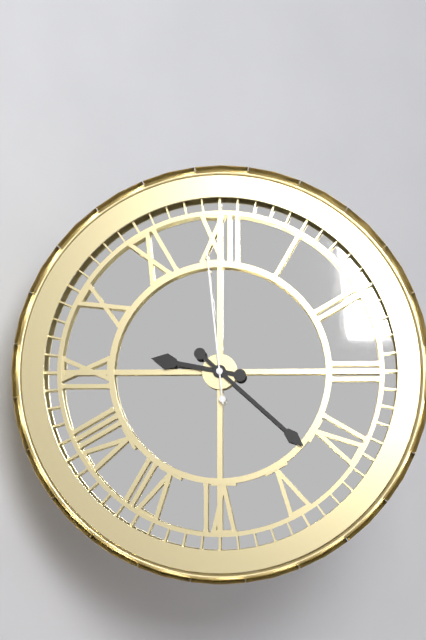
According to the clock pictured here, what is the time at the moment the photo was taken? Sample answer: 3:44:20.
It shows 9:22:59
